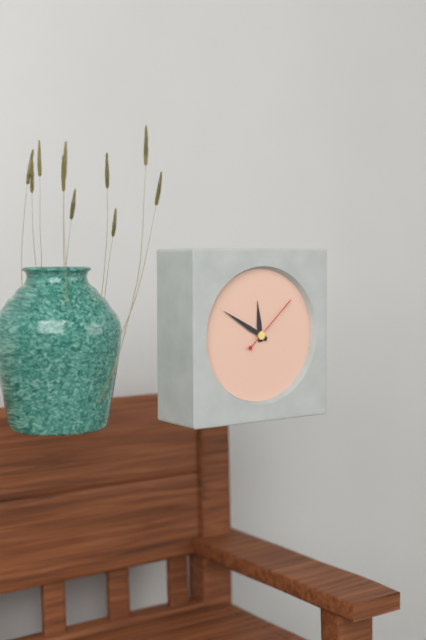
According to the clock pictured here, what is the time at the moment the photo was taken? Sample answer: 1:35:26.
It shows 11:50:08
